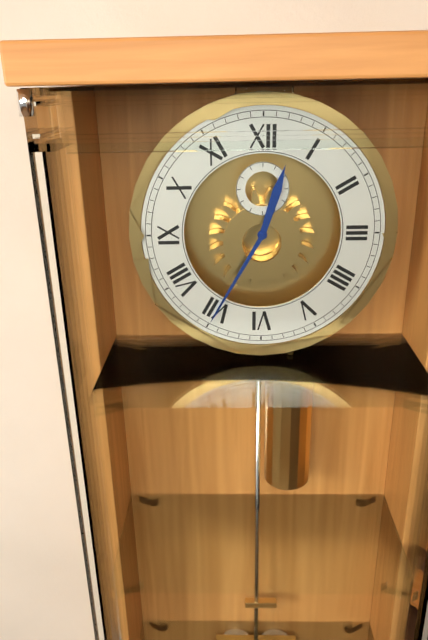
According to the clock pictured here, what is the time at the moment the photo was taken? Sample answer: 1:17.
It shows 12:35
